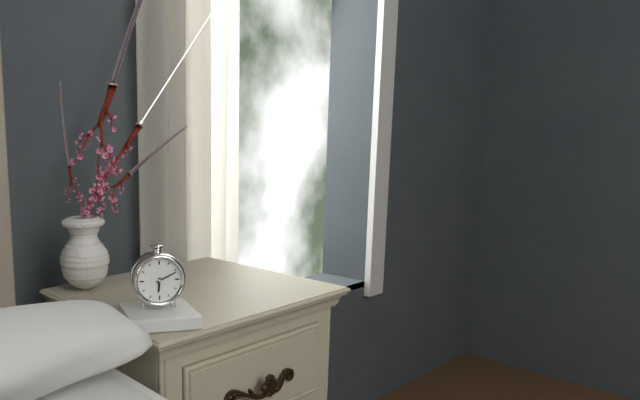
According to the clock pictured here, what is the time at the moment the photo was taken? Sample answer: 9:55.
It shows 6:11
